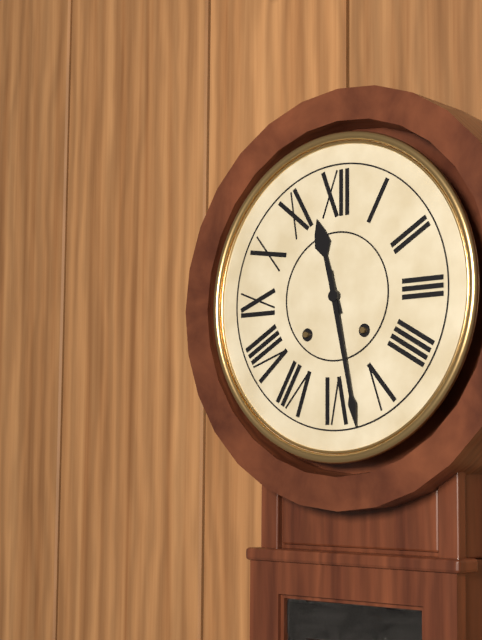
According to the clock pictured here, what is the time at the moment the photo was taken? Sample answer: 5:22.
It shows 11:28
